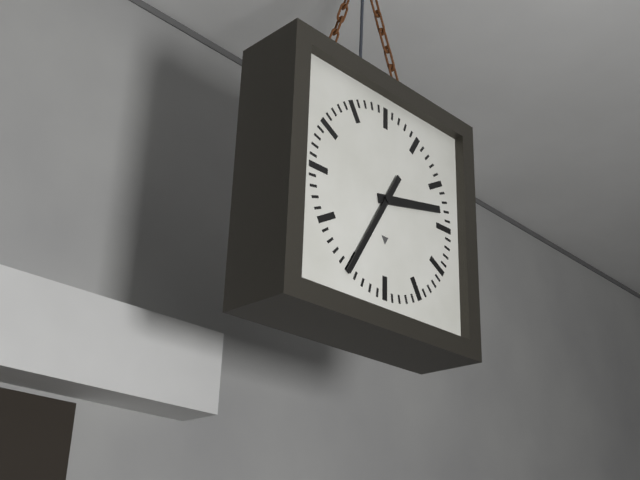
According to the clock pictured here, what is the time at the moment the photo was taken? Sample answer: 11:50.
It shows 2:35
